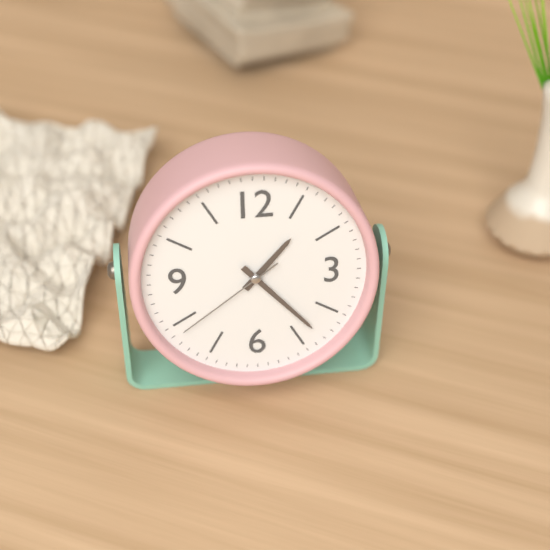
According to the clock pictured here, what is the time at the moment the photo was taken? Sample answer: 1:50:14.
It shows 1:23:39
